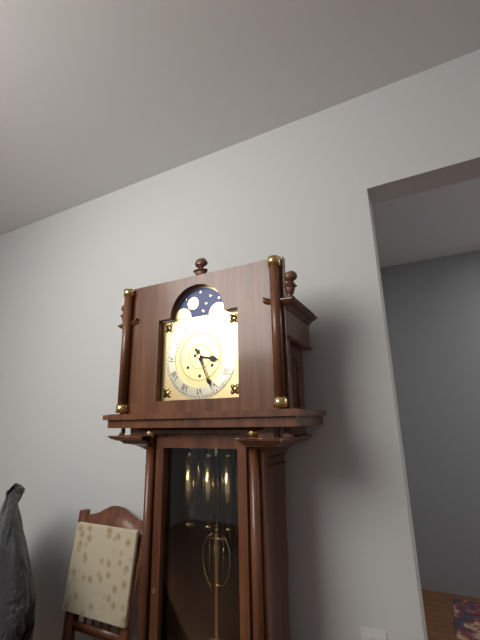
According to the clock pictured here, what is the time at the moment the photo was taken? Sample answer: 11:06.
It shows 3:26
